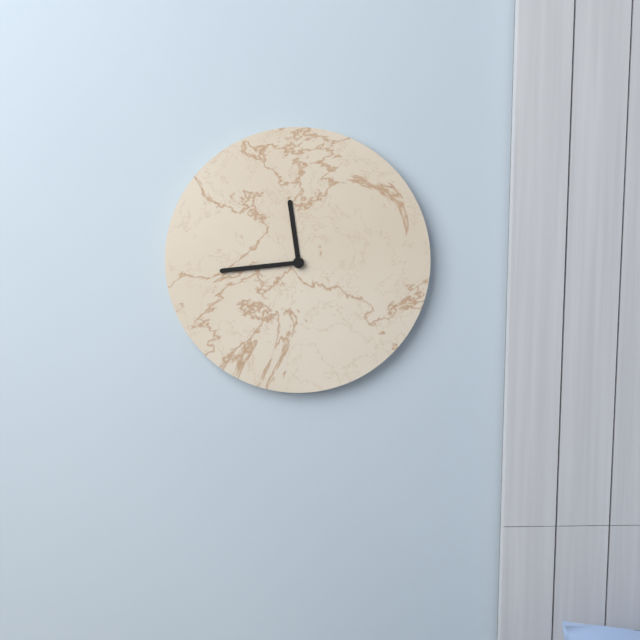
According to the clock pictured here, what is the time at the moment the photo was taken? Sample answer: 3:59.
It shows 11:44
